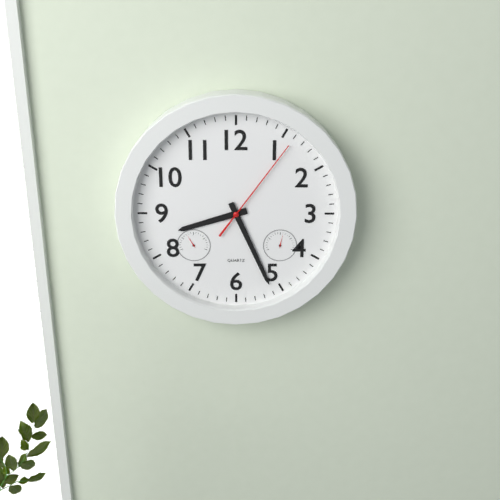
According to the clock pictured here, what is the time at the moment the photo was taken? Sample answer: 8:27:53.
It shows 8:26:06
